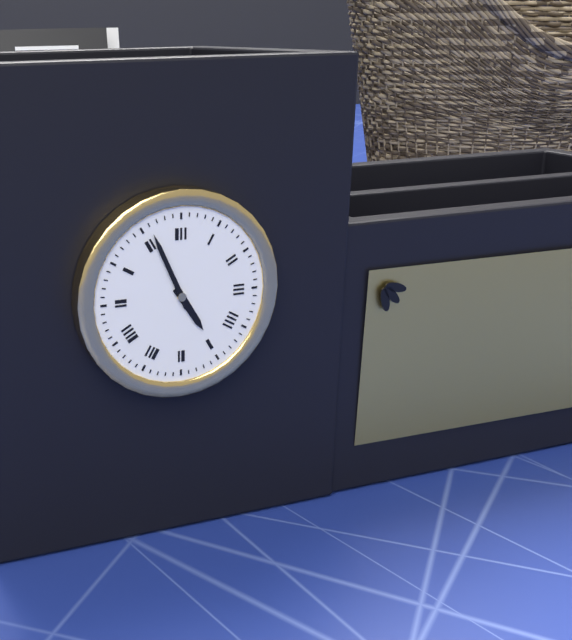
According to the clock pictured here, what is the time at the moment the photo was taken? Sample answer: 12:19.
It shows 4:56
